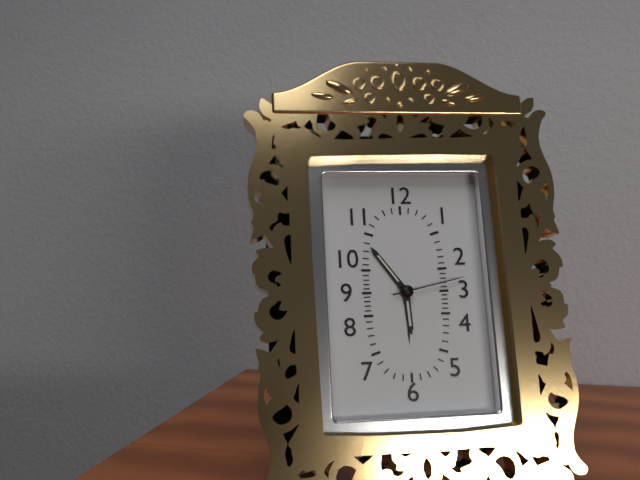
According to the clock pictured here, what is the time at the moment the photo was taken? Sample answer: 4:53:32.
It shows 5:54:13
